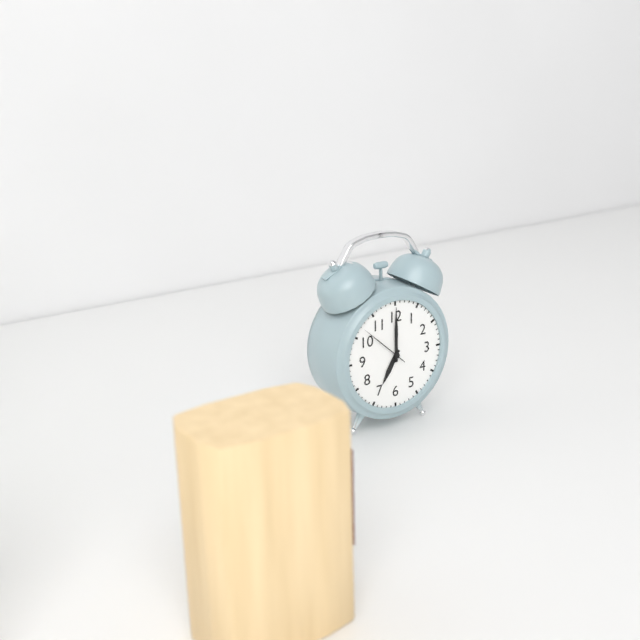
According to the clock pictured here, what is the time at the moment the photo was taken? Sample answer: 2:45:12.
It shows 7:00:52
